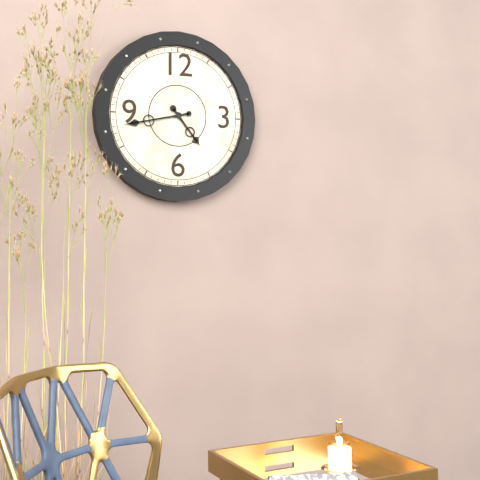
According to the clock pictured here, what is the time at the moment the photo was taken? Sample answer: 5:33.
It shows 4:43
